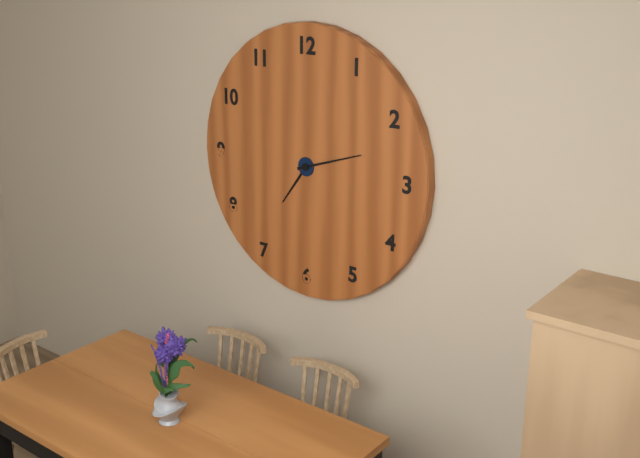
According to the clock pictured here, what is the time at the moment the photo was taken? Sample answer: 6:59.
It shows 7:12
